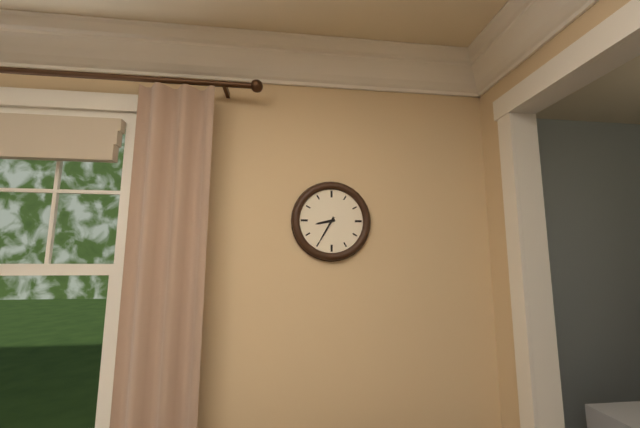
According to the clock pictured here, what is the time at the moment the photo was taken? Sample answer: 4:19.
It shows 8:35
